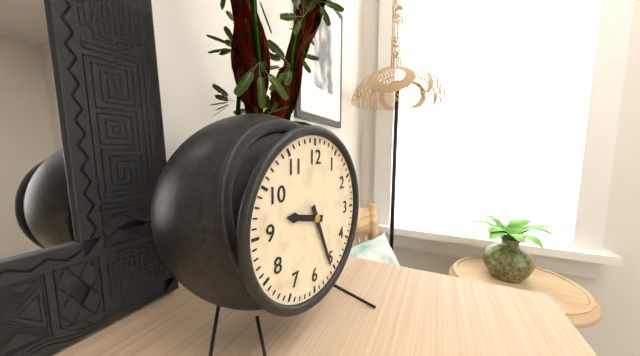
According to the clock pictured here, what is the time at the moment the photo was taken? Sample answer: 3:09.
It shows 9:26
